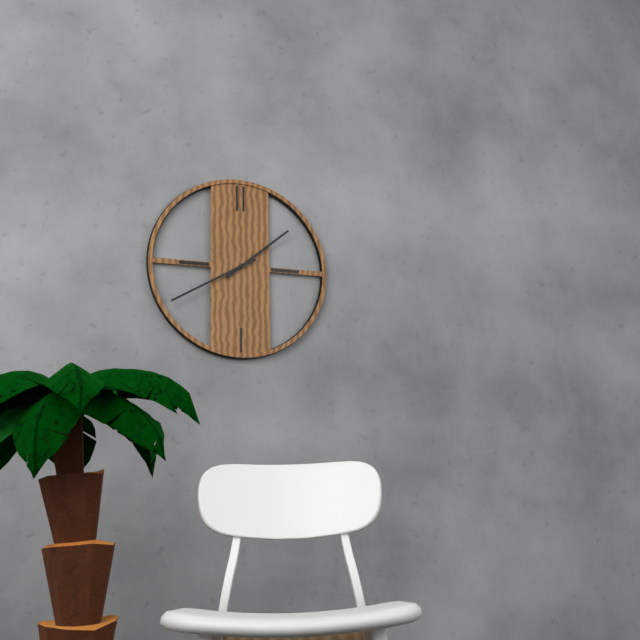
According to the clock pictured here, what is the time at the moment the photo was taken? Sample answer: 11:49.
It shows 1:40
